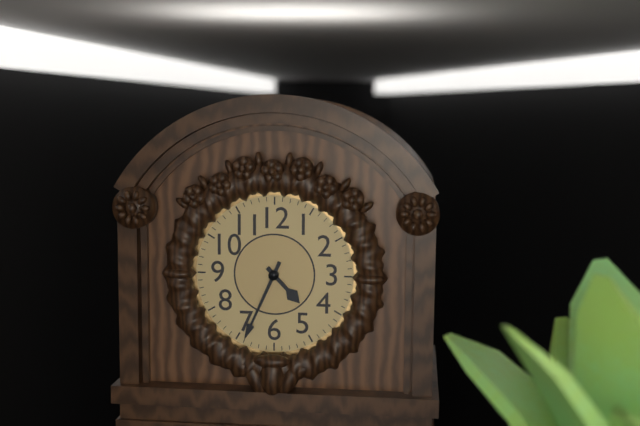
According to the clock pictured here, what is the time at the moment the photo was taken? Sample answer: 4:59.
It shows 4:34
